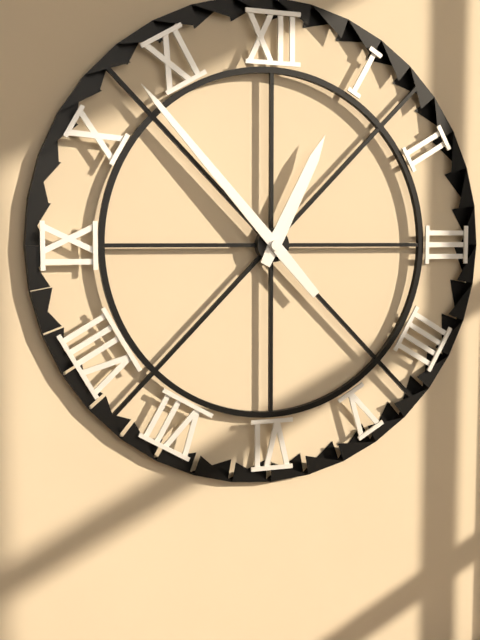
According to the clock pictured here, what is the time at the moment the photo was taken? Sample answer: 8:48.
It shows 12:53
